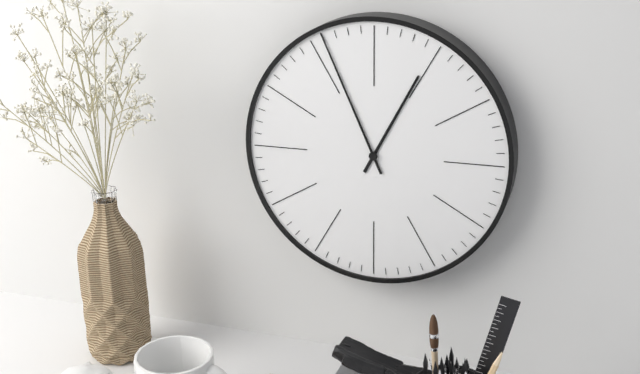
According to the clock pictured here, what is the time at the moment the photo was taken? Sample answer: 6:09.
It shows 12:56
